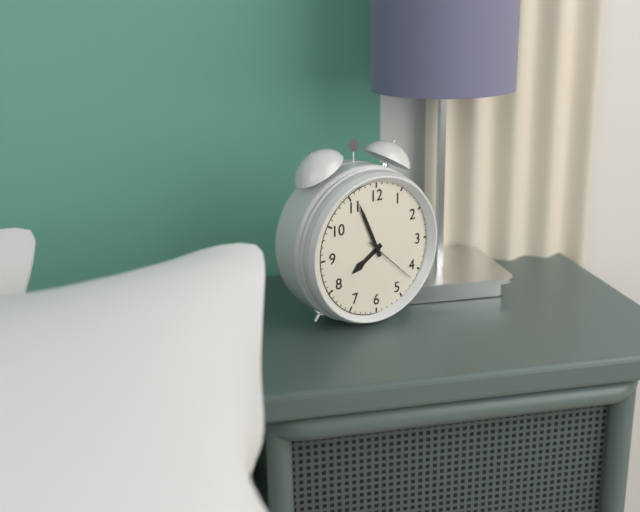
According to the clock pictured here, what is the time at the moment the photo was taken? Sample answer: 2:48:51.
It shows 7:56:22
